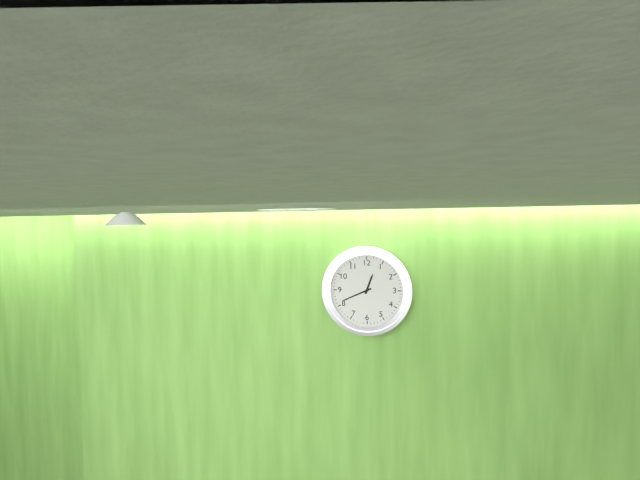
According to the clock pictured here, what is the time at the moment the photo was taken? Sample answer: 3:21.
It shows 12:41
